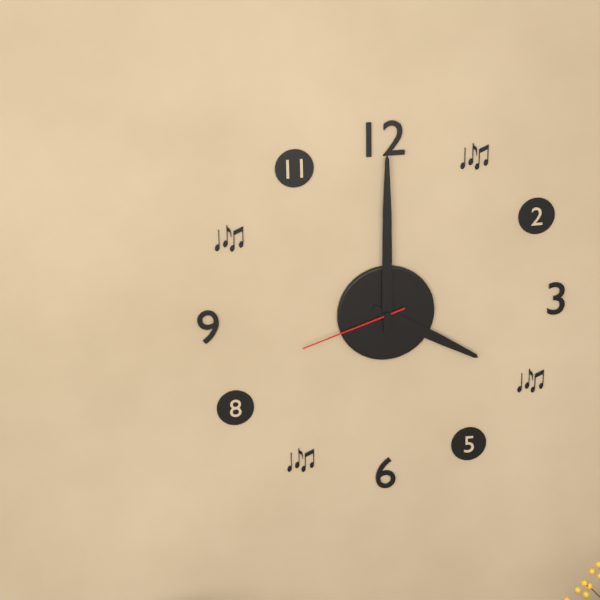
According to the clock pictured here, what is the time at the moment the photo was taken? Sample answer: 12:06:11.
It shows 4:00:42
